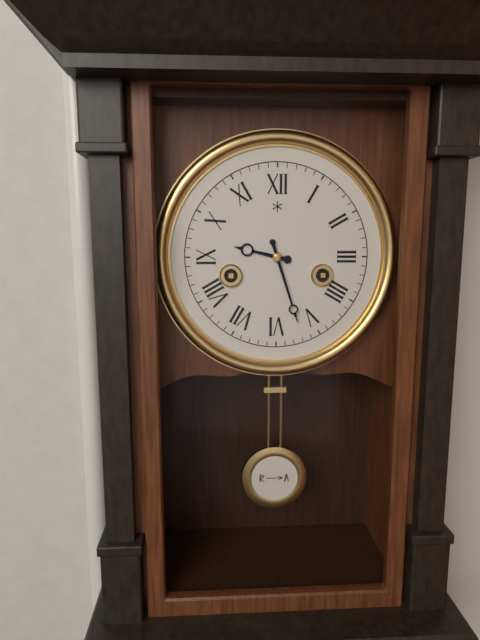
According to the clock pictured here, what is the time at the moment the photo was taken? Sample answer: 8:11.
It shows 9:27
